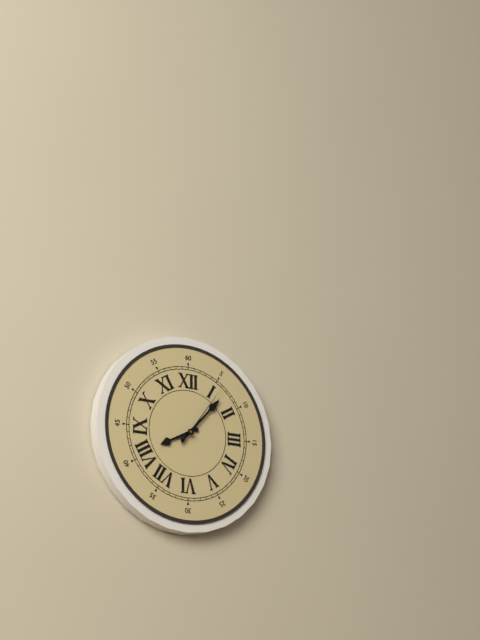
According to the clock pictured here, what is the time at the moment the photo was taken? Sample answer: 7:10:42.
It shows 8:07:06
